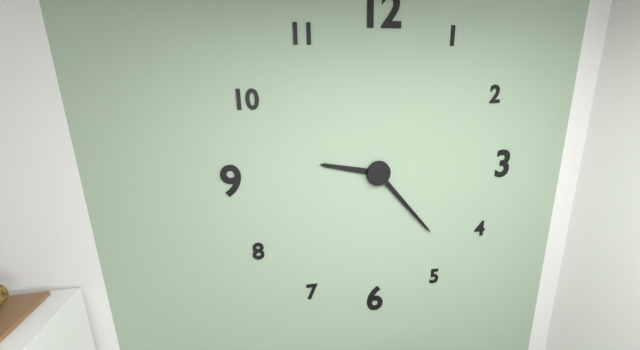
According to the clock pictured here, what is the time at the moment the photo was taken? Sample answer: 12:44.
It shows 9:23
